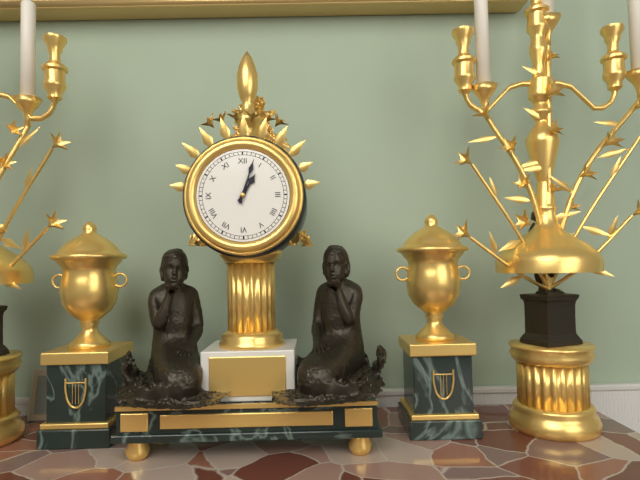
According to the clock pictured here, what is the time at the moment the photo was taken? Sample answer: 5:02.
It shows 1:03
